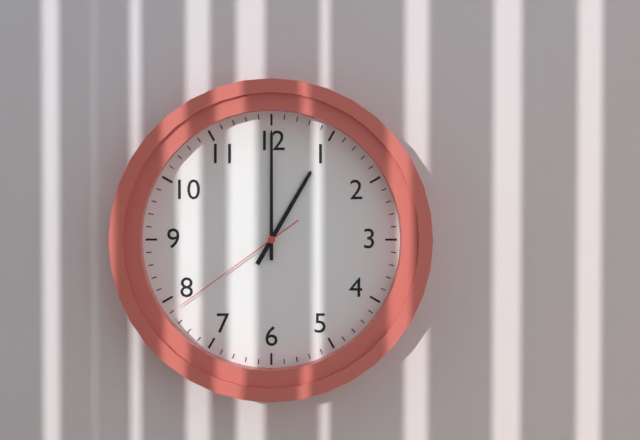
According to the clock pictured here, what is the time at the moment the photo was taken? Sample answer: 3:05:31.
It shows 1:00:39
